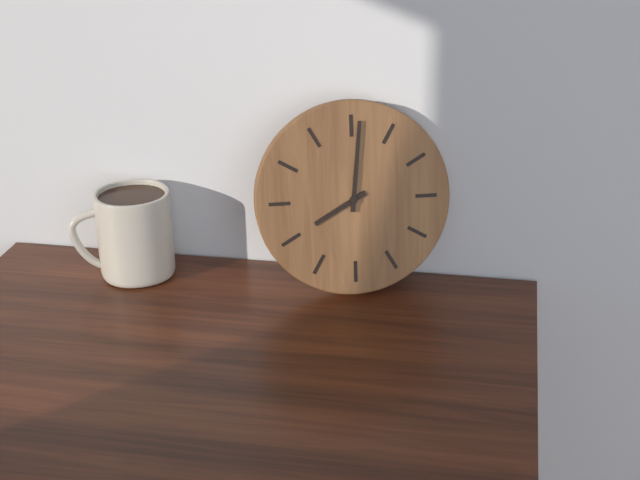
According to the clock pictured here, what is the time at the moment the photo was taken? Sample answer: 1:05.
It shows 8:01
